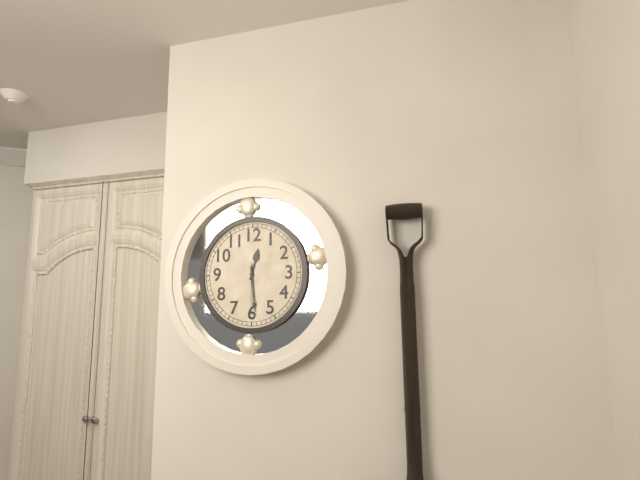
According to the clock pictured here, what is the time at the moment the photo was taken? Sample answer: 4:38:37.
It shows 12:29:30
